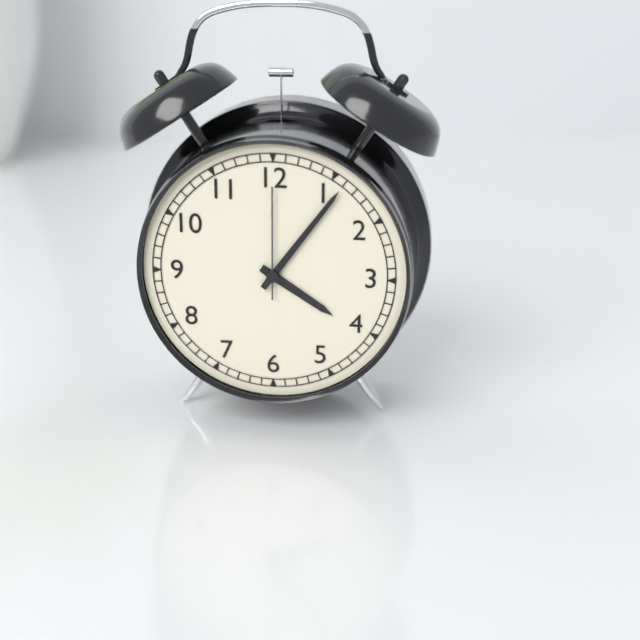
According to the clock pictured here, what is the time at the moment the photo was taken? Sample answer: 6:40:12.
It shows 4:06:00
